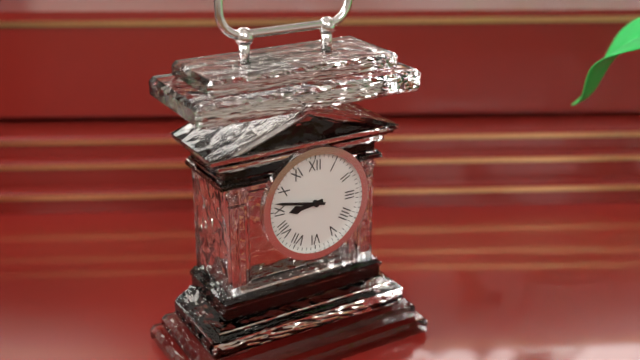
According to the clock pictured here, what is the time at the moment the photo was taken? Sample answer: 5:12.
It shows 8:47
